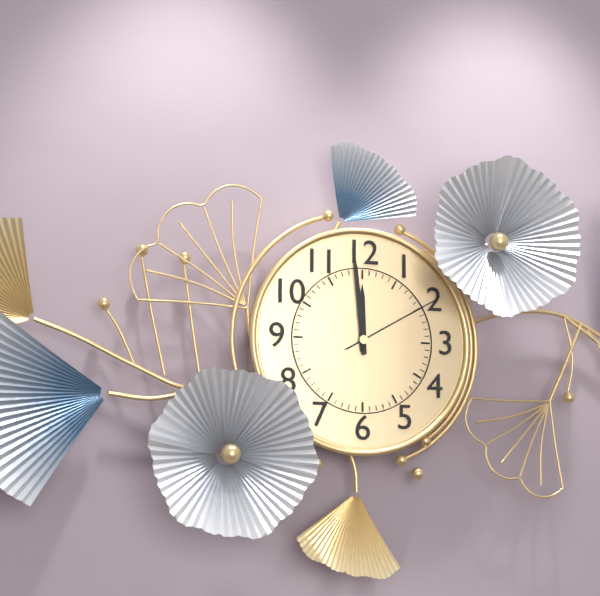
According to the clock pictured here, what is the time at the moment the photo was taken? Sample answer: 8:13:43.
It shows 11:59:10
